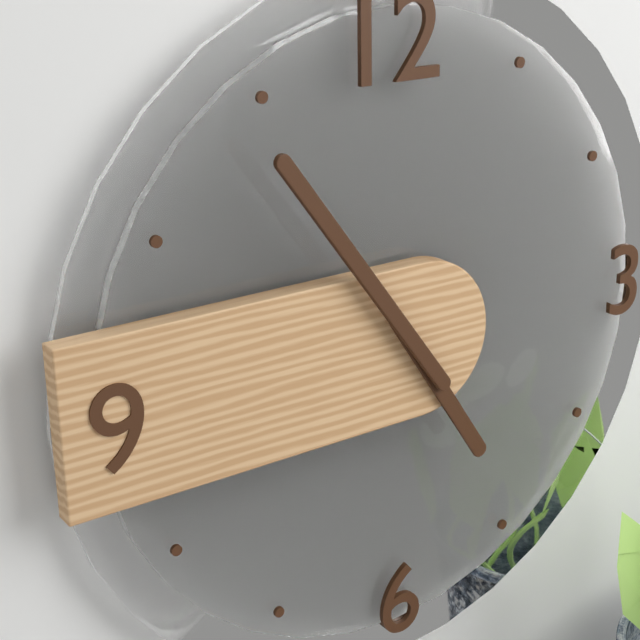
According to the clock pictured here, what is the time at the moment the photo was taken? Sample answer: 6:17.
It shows 4:54
